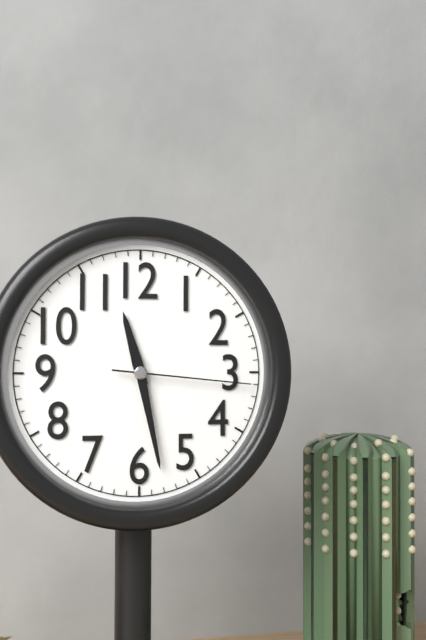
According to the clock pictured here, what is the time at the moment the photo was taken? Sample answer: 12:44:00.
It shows 11:28:16
